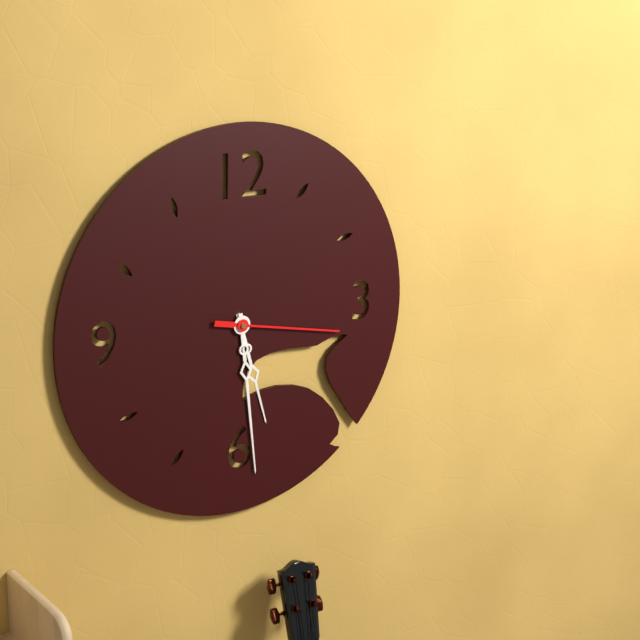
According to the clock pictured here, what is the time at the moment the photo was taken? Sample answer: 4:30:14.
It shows 5:29:17
